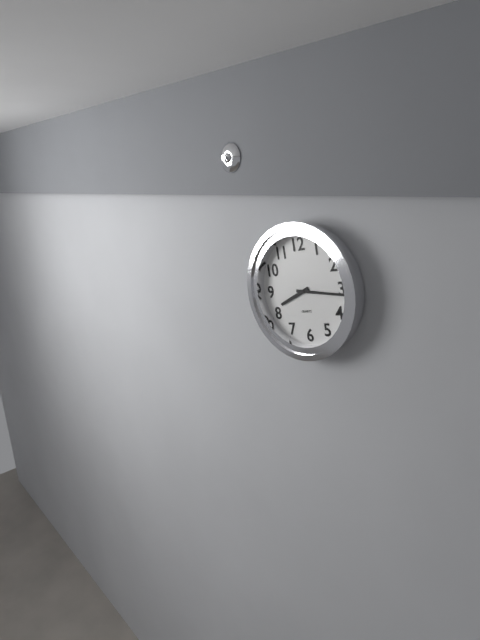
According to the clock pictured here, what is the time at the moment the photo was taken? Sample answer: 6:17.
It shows 8:16
